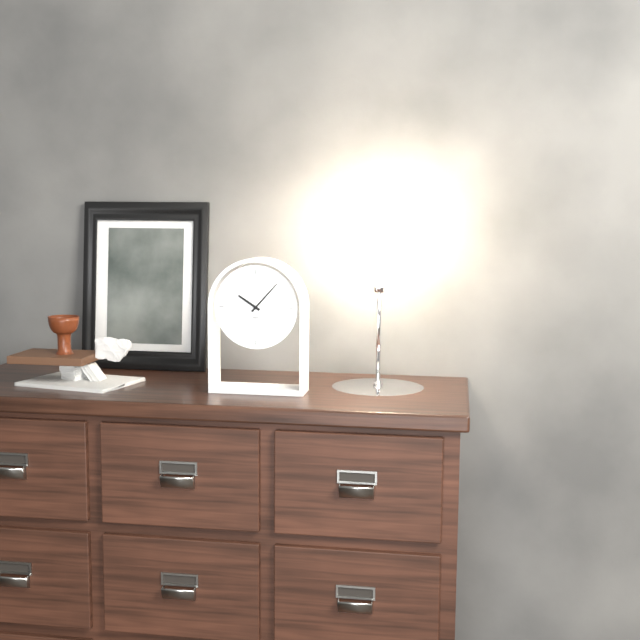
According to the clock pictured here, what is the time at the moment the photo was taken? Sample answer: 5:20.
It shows 10:07
